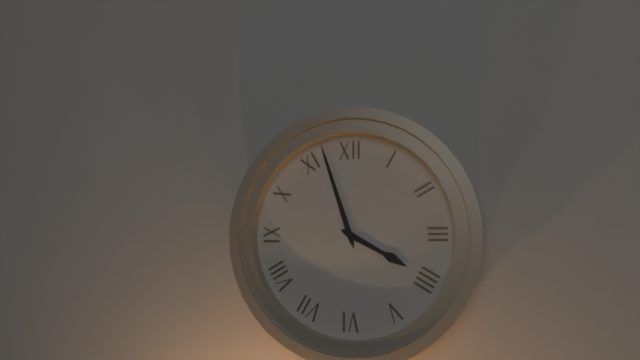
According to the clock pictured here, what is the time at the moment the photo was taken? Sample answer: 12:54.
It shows 3:57
